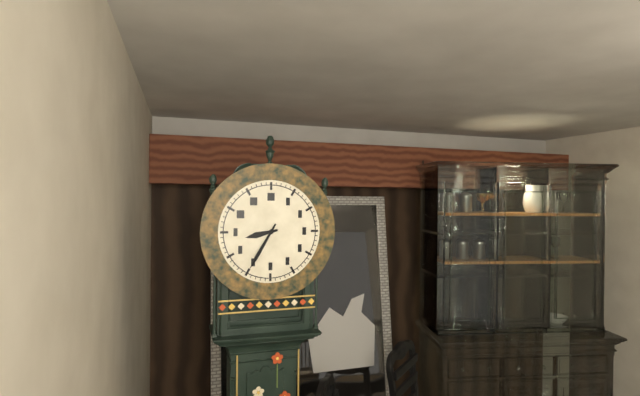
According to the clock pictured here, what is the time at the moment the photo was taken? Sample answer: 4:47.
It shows 8:35
